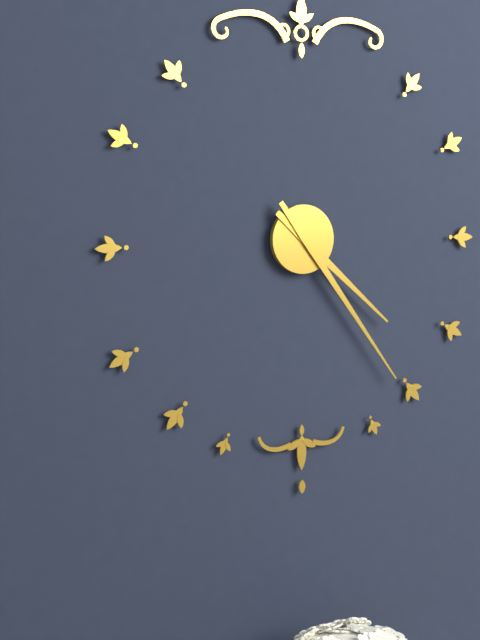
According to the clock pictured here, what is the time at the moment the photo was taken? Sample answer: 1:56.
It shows 4:24
